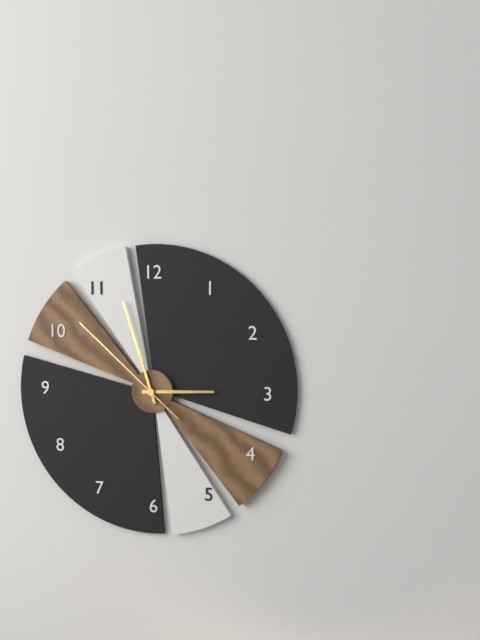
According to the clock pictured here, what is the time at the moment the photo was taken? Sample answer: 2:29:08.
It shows 2:57:52
